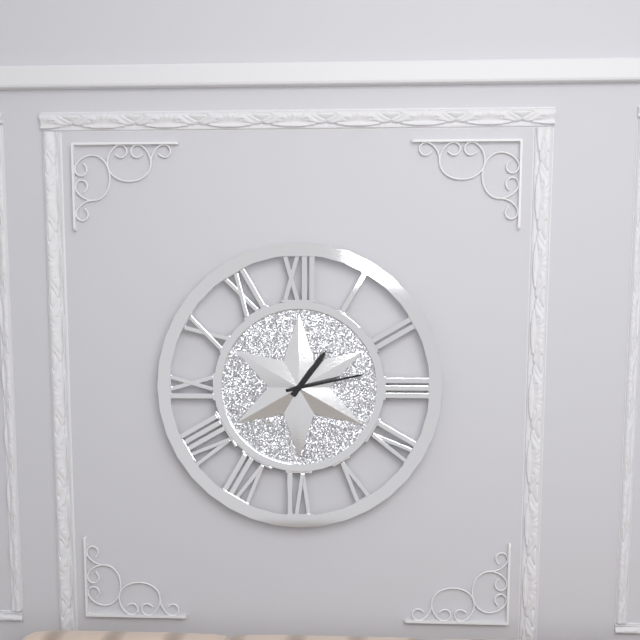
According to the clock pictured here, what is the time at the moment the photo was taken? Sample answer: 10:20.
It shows 1:13
